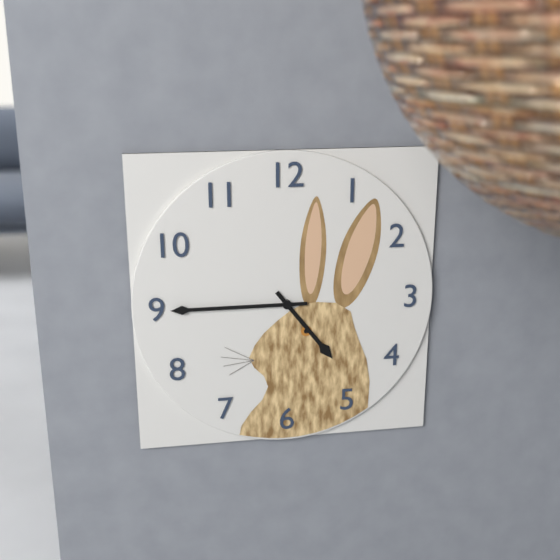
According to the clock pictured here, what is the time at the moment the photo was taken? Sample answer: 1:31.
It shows 4:45
